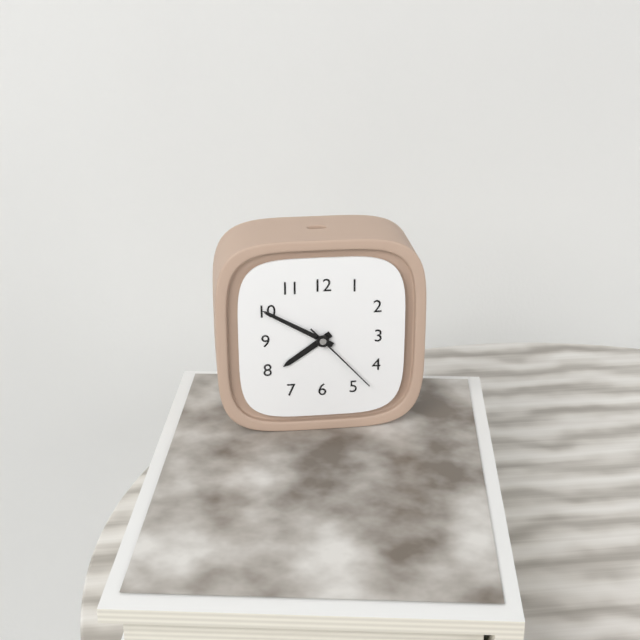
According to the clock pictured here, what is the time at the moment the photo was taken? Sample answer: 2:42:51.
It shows 7:50:23
